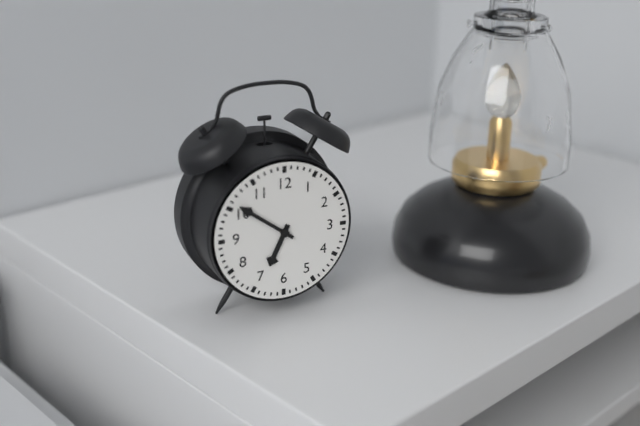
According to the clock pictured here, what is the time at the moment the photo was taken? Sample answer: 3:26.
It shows 6:51
